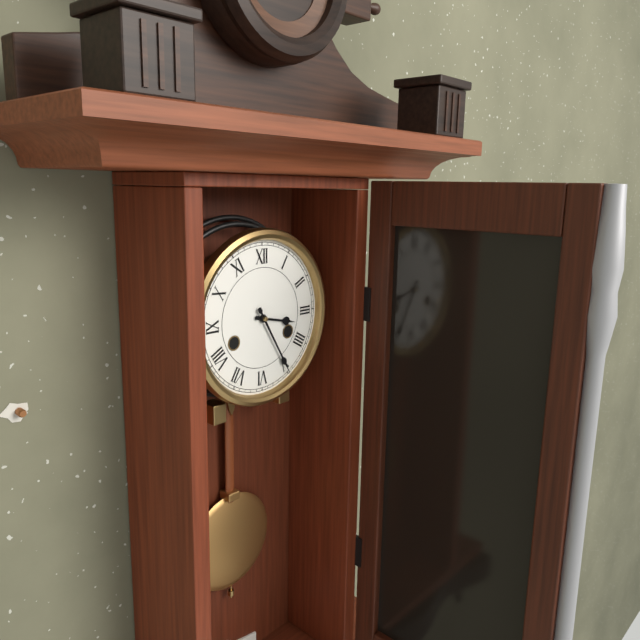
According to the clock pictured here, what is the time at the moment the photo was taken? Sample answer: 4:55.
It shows 3:25
